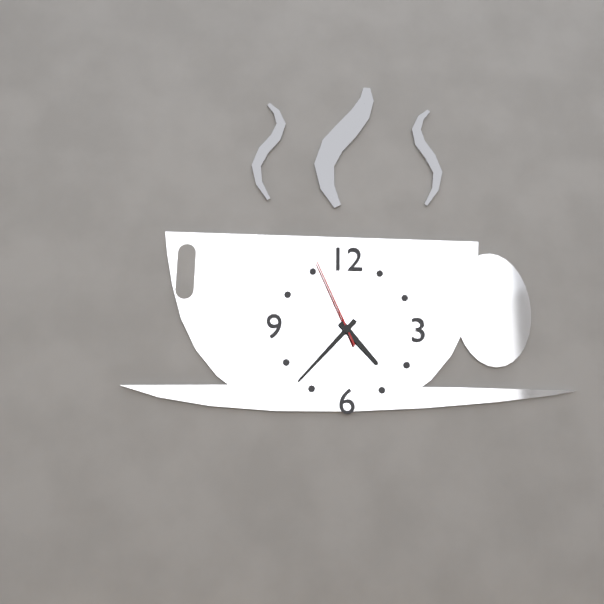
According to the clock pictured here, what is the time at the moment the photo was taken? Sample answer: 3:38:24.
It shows 4:37:56
